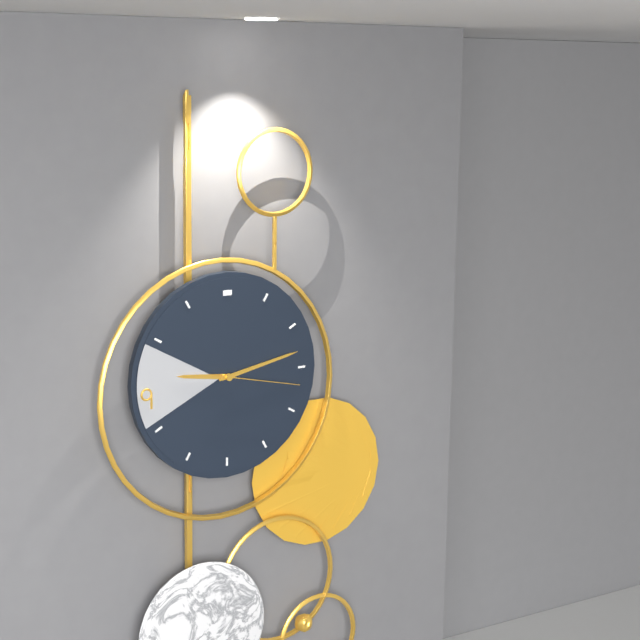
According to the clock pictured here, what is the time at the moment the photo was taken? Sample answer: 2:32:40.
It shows 9:13:17
